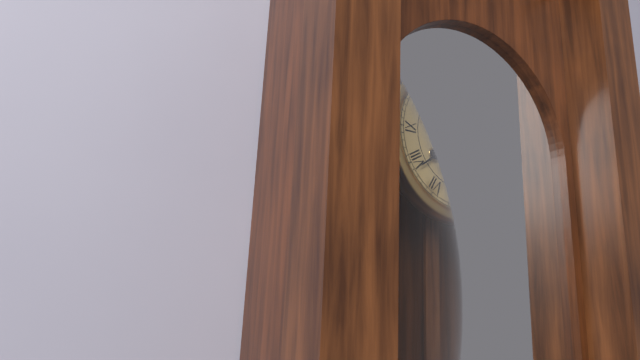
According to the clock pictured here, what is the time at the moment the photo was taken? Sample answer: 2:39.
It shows 1:39
